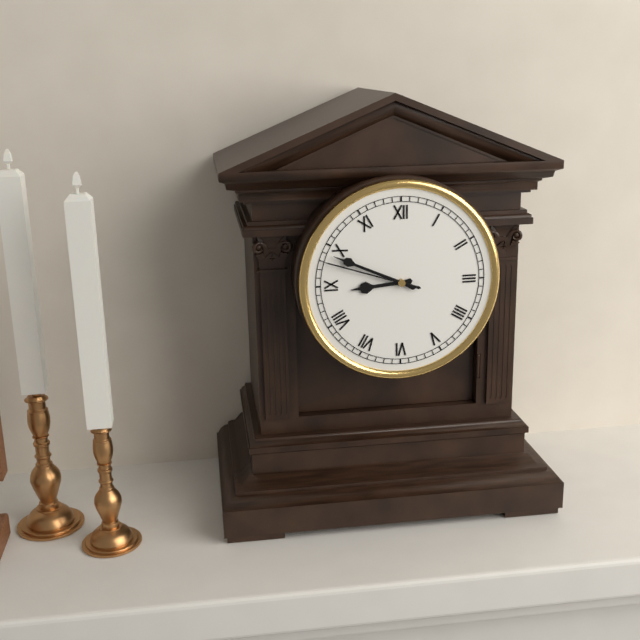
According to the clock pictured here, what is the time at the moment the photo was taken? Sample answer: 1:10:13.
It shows 8:49:48
